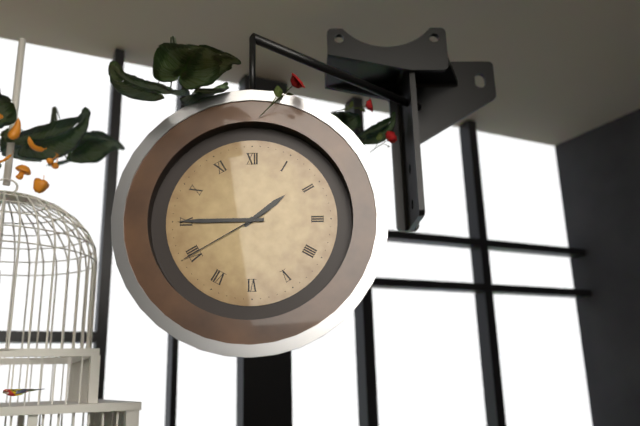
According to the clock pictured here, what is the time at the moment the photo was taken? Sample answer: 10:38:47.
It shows 1:45:40
